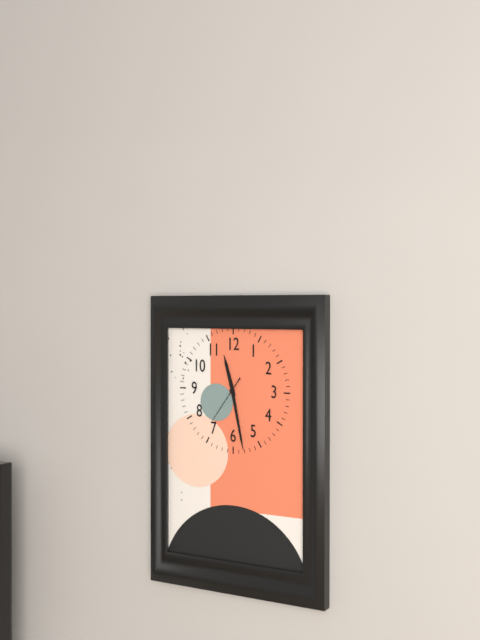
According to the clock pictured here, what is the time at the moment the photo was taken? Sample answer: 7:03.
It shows 11:28
